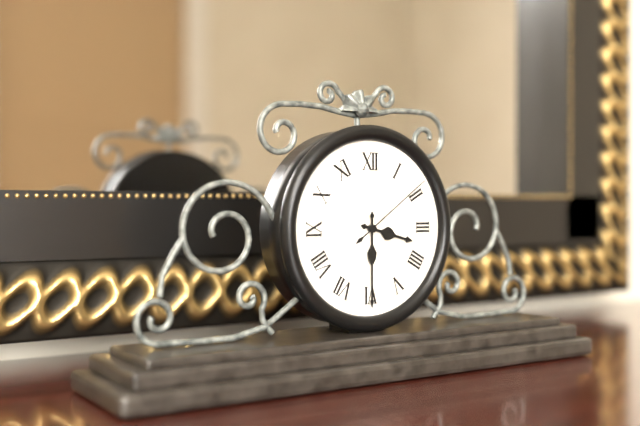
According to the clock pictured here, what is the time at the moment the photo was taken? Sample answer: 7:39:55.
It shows 3:30:09
